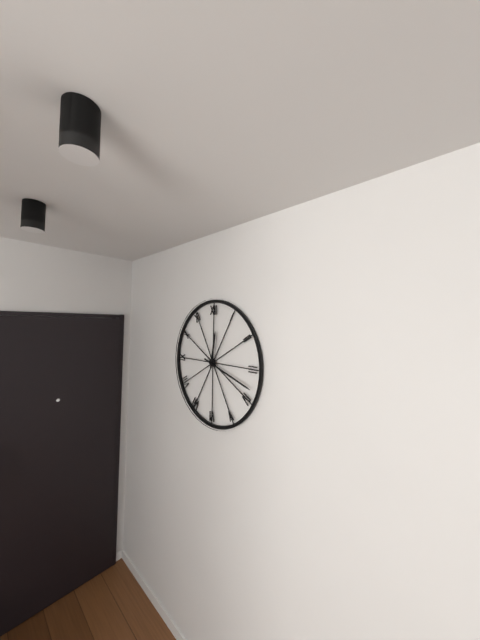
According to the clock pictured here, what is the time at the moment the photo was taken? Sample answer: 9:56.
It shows 12:18
